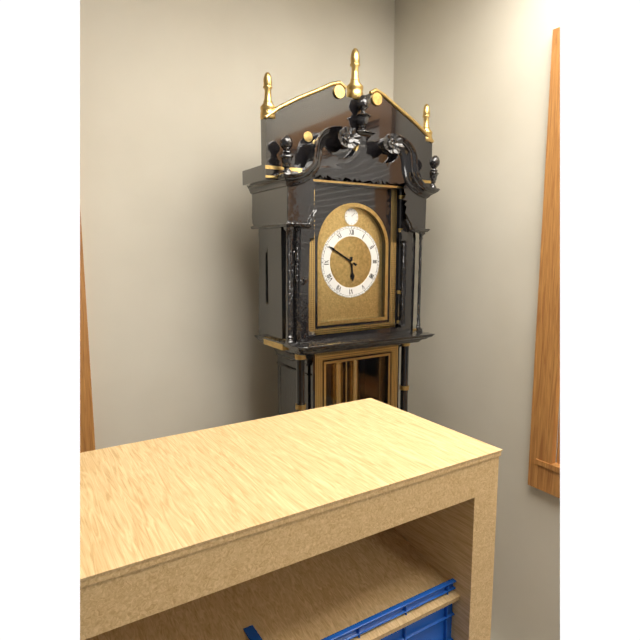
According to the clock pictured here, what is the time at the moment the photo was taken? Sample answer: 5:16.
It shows 5:50
